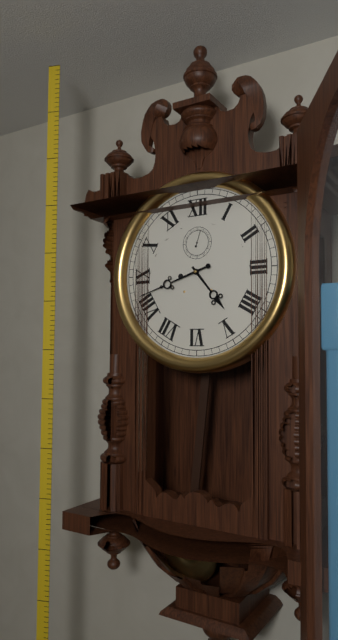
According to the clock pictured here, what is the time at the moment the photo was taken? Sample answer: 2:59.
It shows 4:42
